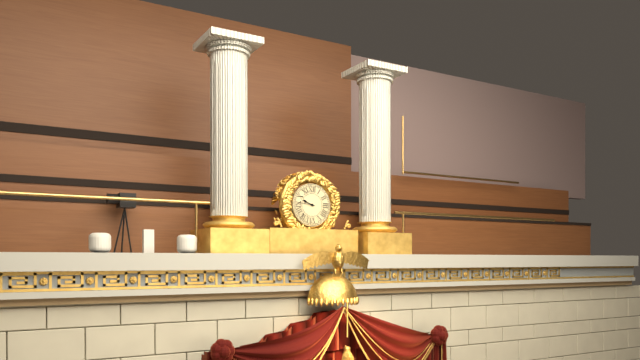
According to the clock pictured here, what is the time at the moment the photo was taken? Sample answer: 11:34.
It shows 9:46
